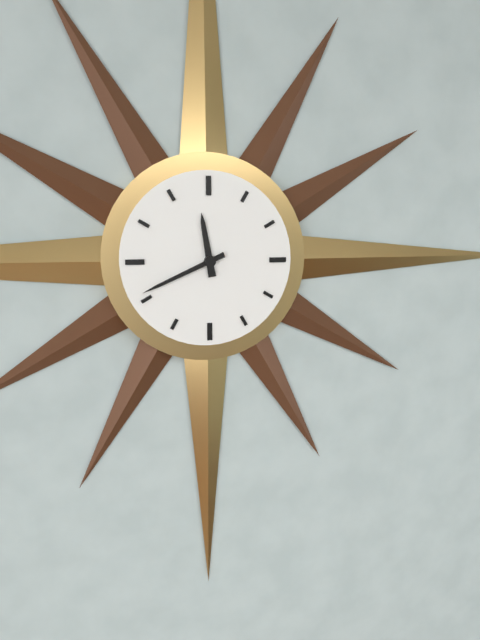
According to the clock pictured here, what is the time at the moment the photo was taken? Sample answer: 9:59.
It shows 11:41
